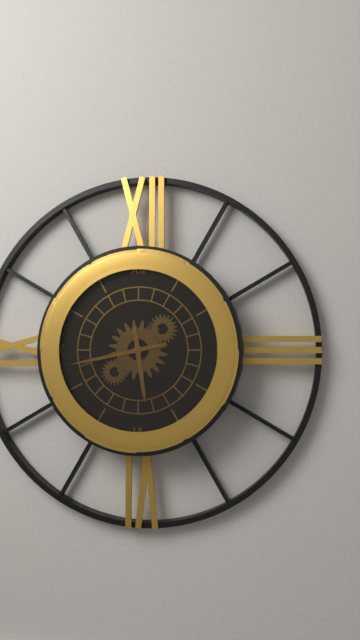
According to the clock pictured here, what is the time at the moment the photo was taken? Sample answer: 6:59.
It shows 5:43
